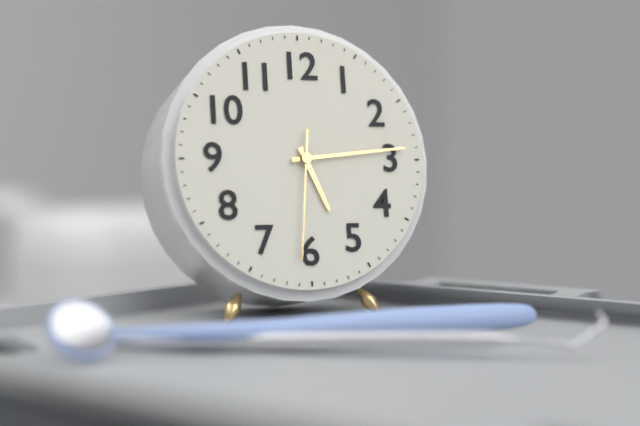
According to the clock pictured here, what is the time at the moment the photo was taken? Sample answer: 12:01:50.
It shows 5:14:31
